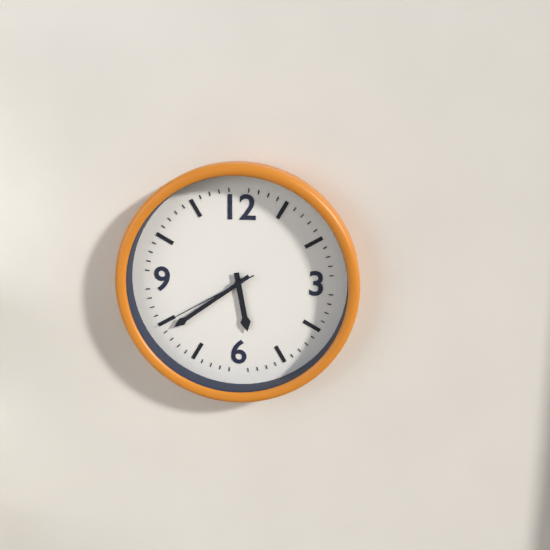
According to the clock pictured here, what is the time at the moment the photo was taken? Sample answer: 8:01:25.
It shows 5:39:40
